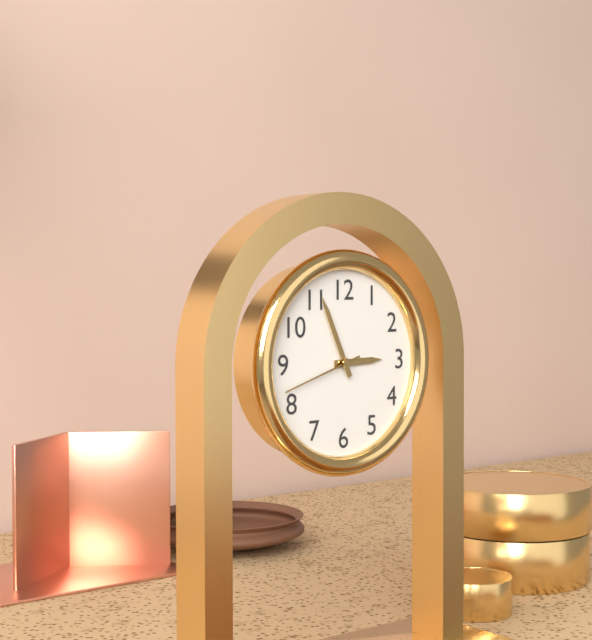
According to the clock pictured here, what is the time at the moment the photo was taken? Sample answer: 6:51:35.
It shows 2:56:42
